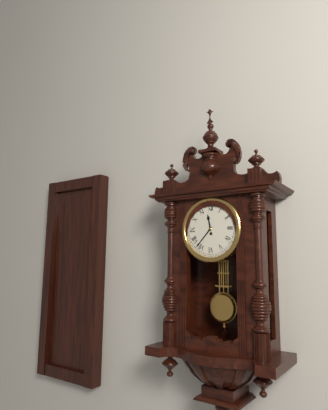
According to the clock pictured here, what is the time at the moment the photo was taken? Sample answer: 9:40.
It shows 11:37
